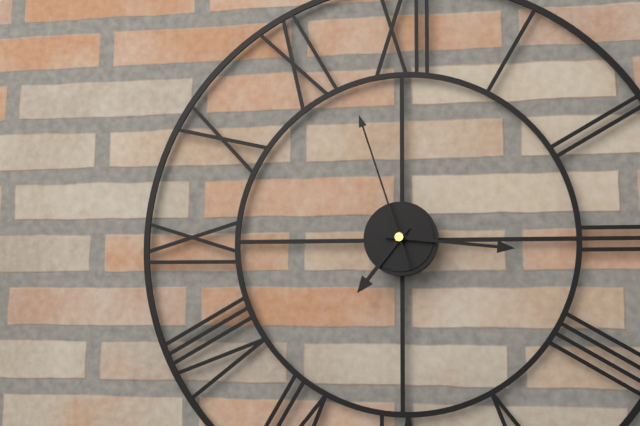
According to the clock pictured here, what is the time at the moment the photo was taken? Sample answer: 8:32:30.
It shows 7:16:57
